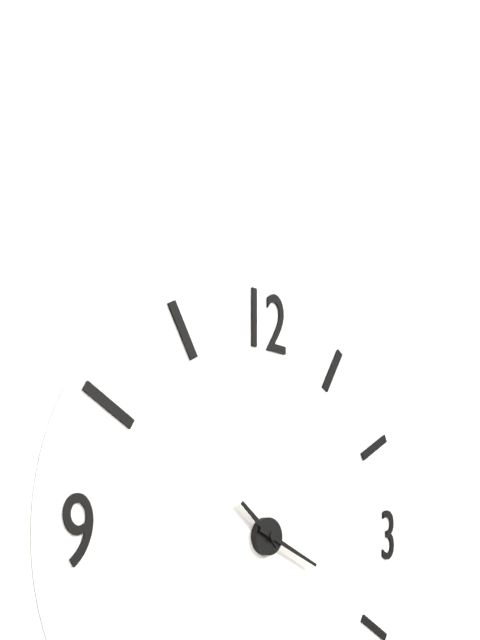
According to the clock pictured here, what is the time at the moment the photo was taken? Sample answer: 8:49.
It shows 10:19
